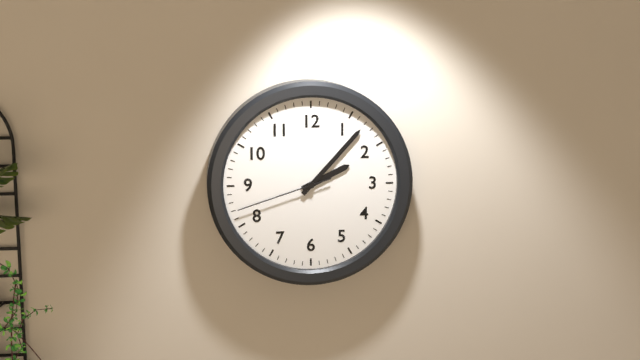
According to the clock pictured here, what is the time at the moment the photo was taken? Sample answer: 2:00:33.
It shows 2:07:42
